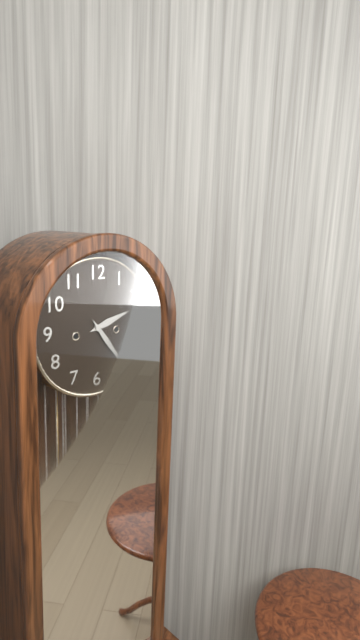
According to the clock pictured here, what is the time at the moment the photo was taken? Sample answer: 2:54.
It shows 2:24
